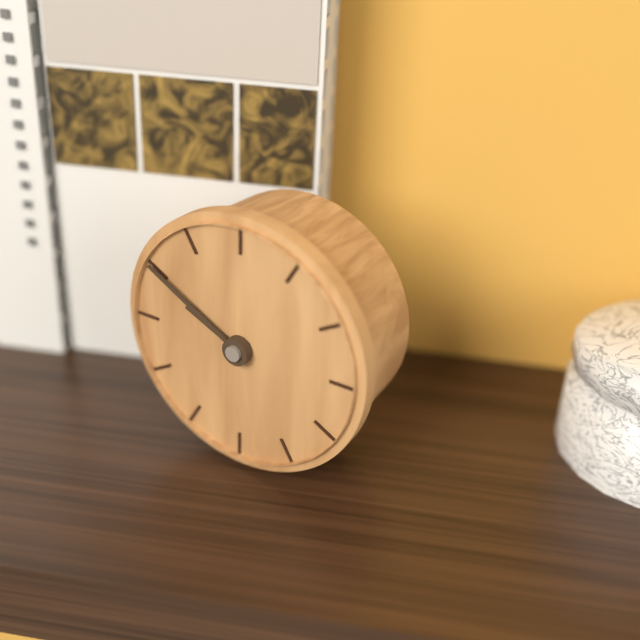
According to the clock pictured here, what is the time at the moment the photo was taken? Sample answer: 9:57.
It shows 9:50
